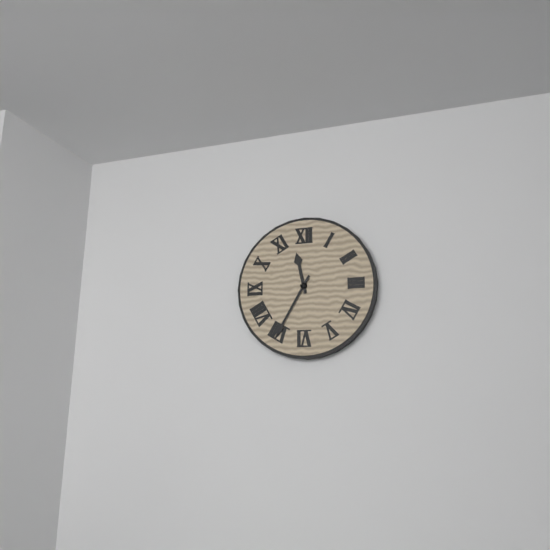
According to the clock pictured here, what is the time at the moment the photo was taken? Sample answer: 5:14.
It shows 11:35
